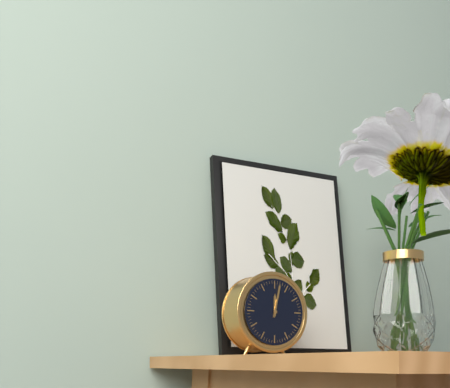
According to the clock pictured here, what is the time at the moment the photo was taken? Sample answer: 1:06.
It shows 12:02
